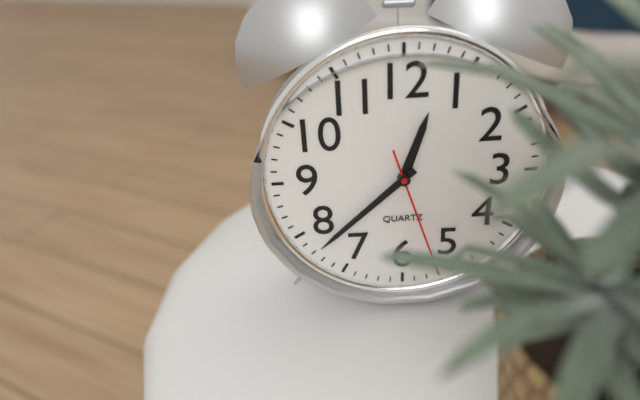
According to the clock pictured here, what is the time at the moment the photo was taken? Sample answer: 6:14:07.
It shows 12:38:27
